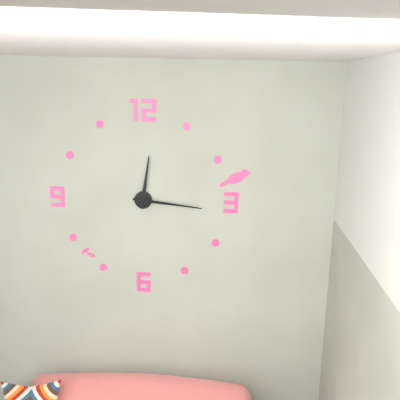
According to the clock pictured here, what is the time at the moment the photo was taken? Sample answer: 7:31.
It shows 12:16
